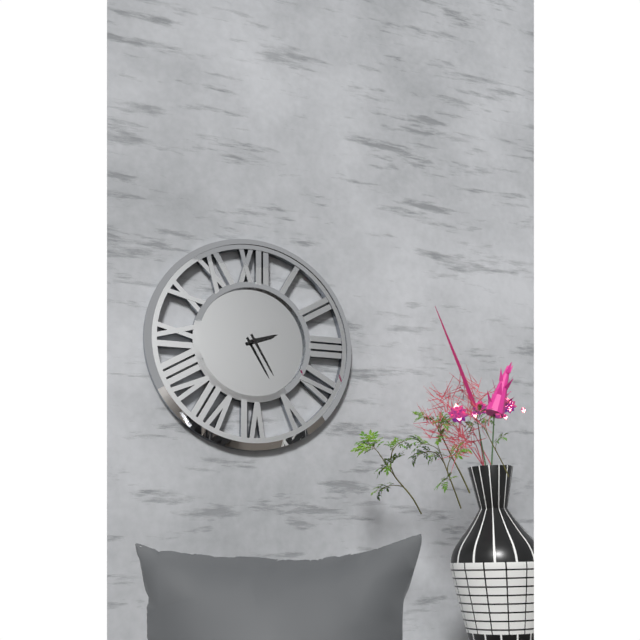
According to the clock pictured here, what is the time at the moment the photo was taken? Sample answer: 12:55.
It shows 2:25
